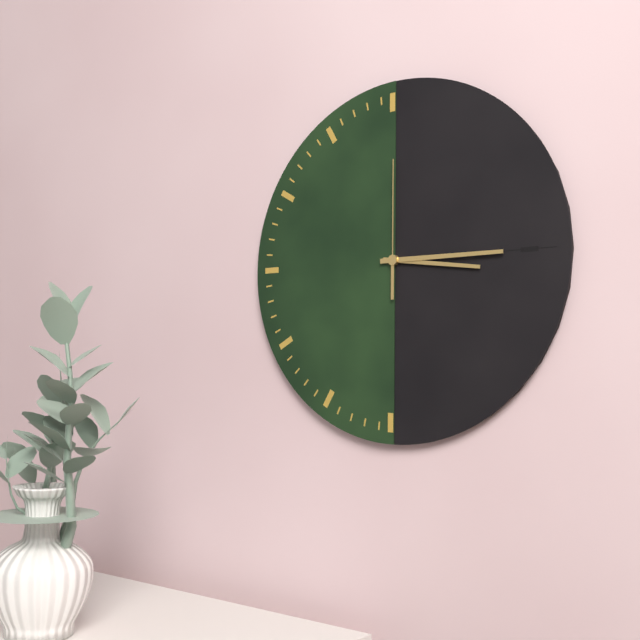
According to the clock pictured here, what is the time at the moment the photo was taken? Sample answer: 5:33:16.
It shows 3:15:00
